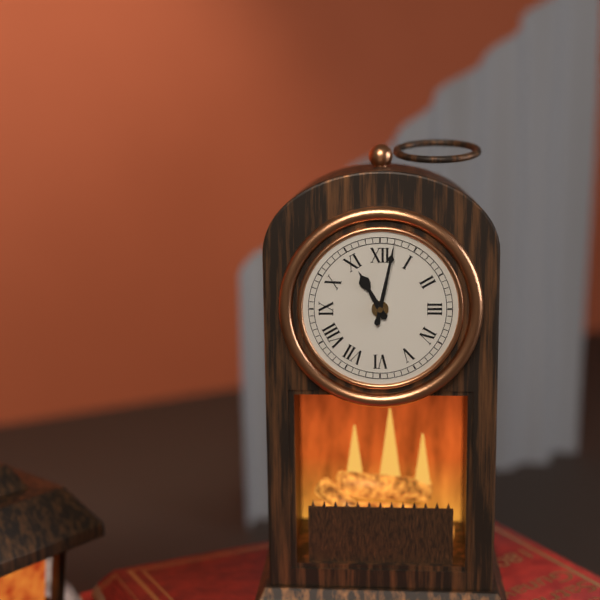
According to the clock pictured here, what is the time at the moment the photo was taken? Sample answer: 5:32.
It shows 11:02
